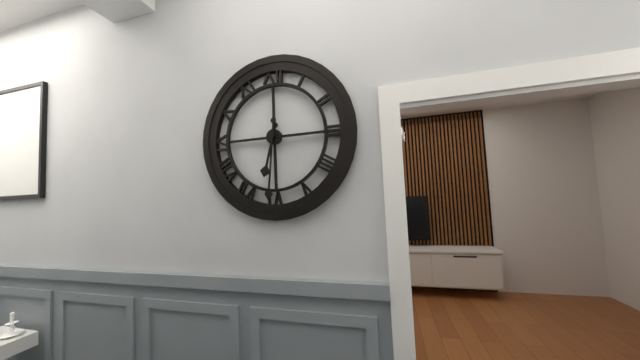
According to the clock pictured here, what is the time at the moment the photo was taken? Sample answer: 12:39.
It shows 6:31
